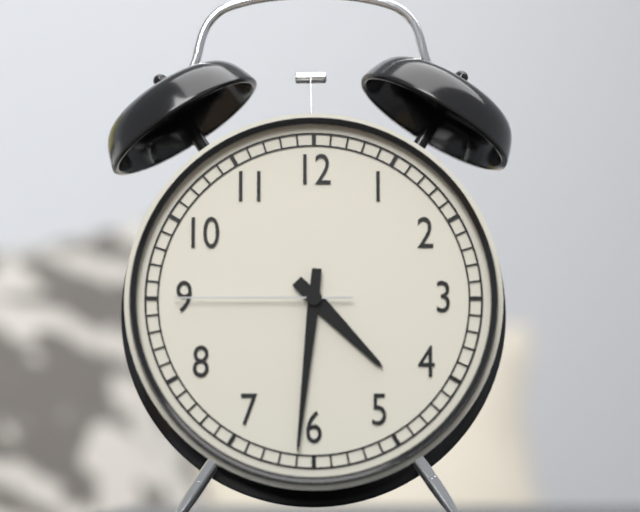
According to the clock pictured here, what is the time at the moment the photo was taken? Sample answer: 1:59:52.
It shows 4:31:45
